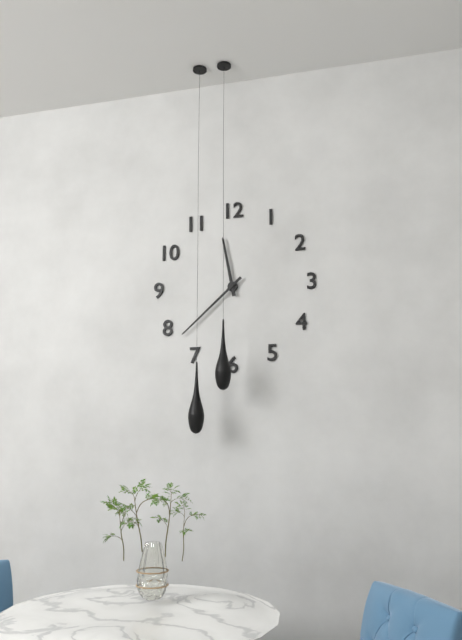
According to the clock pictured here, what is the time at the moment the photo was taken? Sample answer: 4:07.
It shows 11:38
